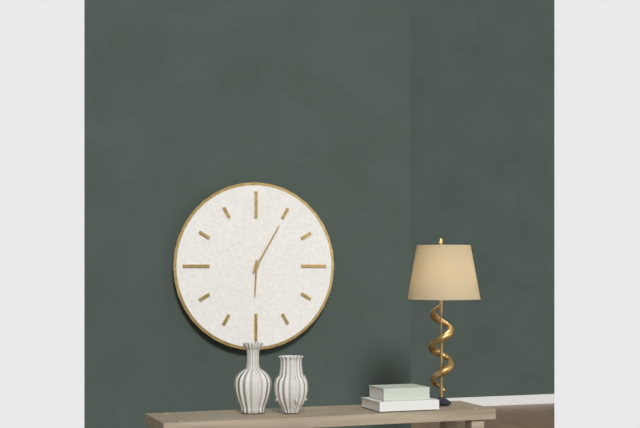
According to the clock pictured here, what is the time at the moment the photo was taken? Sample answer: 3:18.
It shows 6:05
